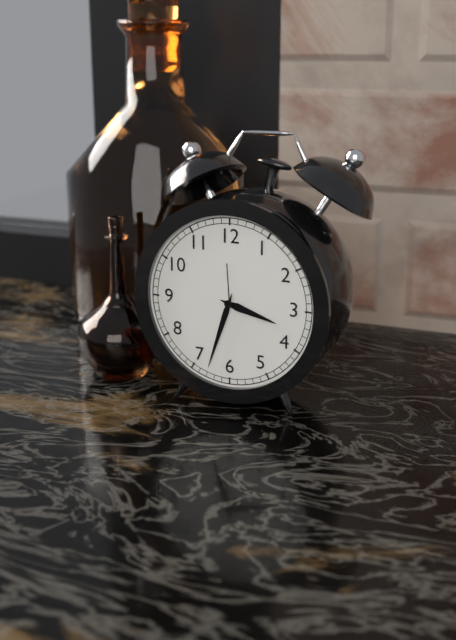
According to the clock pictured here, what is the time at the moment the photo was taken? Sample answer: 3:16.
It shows 3:33
